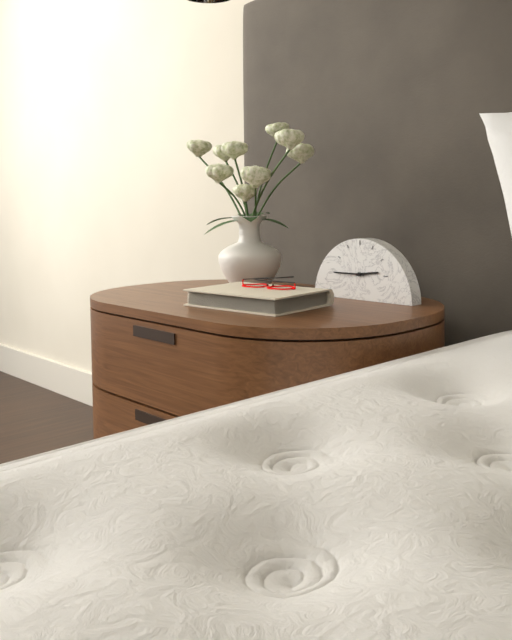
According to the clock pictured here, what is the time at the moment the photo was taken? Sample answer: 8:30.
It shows 2:45
